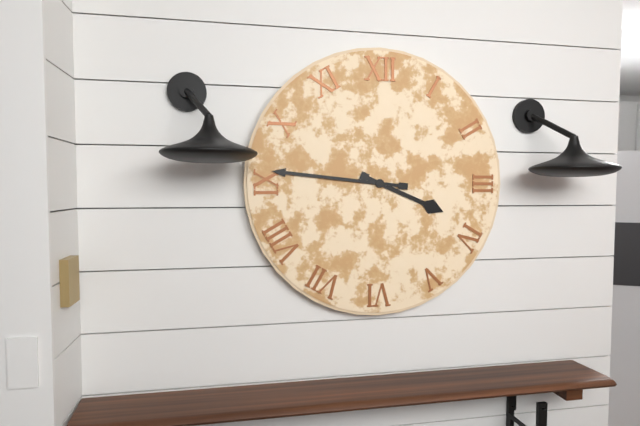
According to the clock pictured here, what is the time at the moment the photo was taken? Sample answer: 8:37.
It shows 3:46
